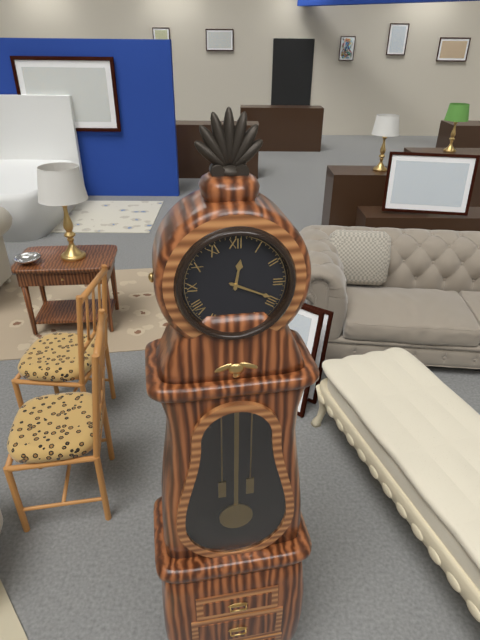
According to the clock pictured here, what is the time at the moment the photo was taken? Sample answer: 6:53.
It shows 12:19
